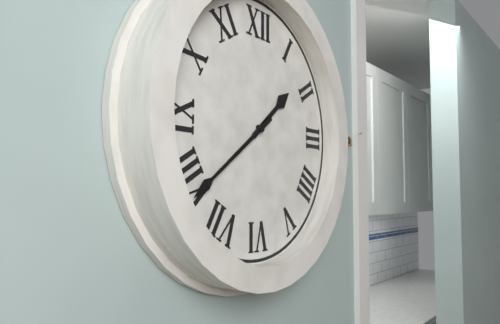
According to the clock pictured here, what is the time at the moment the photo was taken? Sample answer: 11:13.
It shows 1:39
